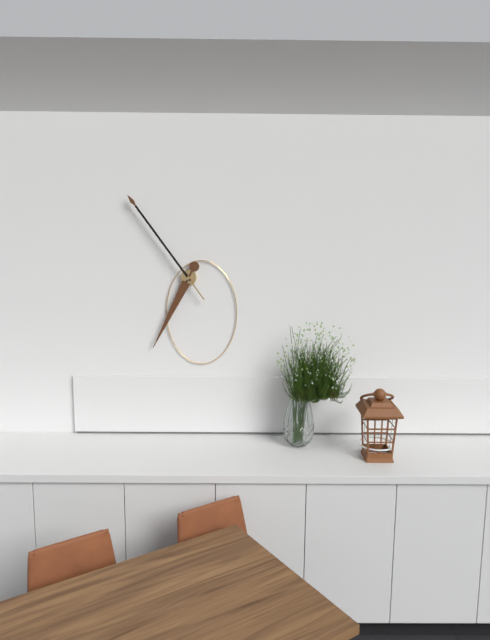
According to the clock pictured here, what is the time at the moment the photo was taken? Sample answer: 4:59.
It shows 6:54
